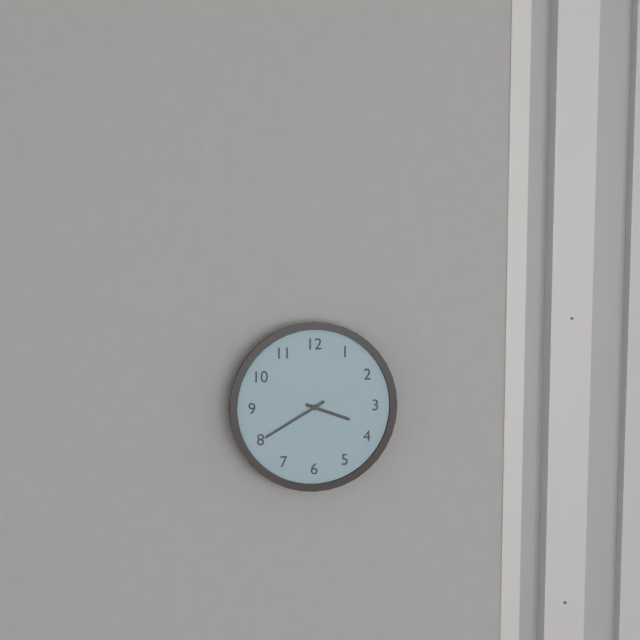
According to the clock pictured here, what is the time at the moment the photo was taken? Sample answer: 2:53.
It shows 3:40
